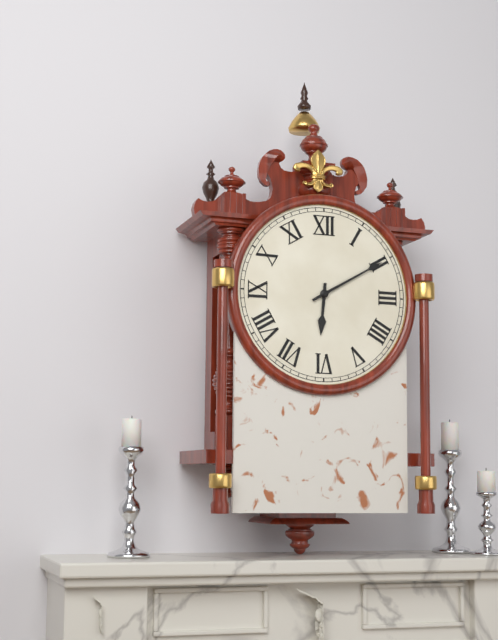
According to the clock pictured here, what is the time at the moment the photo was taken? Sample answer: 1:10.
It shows 6:10
